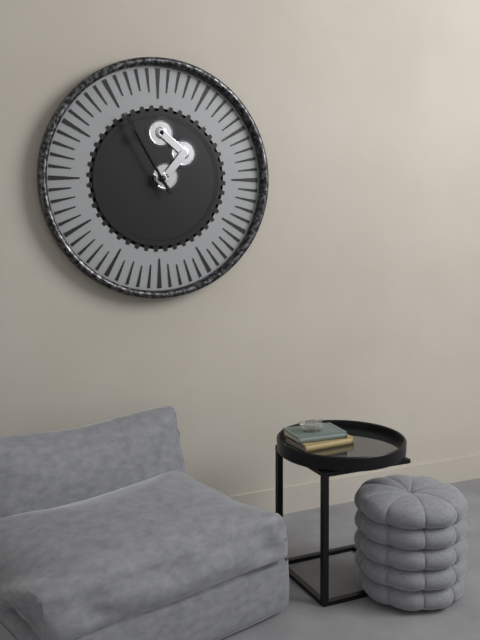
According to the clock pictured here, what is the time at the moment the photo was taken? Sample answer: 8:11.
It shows 10:55
